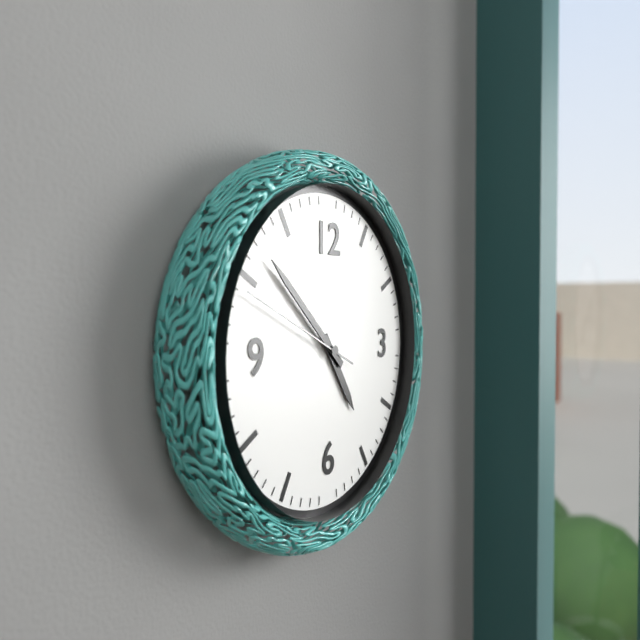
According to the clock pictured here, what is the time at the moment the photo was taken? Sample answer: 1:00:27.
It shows 4:52:49
